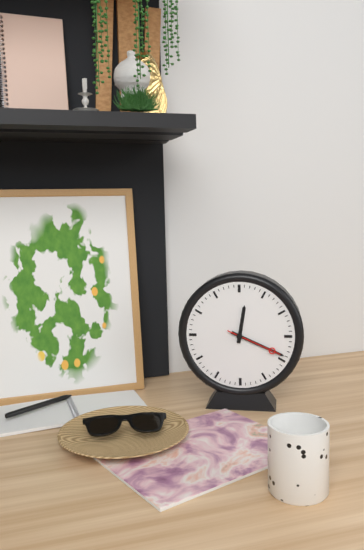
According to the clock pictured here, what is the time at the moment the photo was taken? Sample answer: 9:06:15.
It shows 12:19:19
